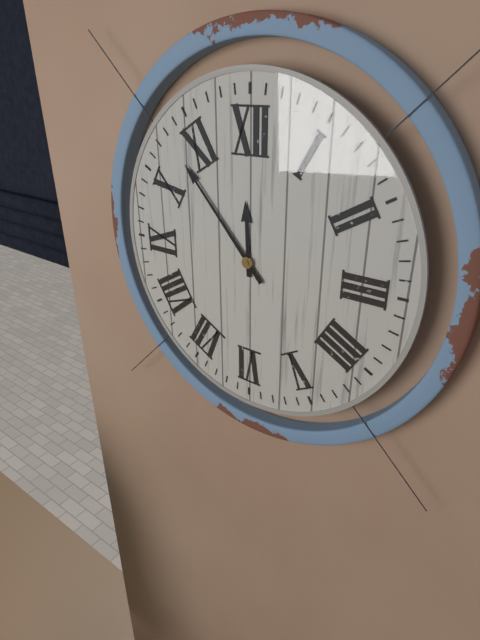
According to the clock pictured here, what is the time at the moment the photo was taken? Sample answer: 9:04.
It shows 11:53
